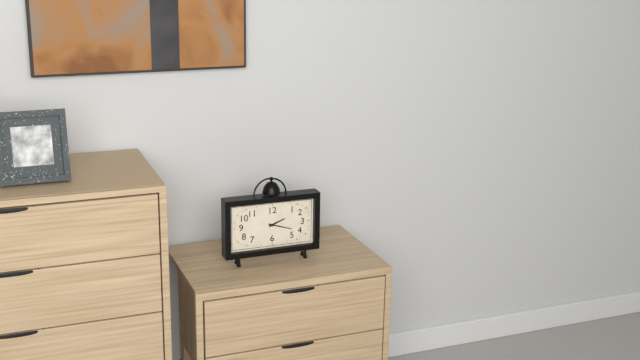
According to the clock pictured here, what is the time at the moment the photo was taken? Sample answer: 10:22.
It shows 2:18
